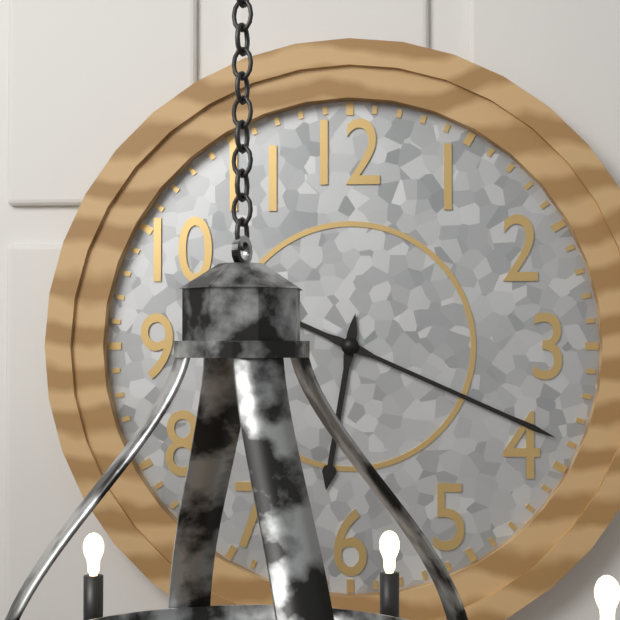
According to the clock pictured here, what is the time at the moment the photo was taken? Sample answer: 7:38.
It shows 6:19
